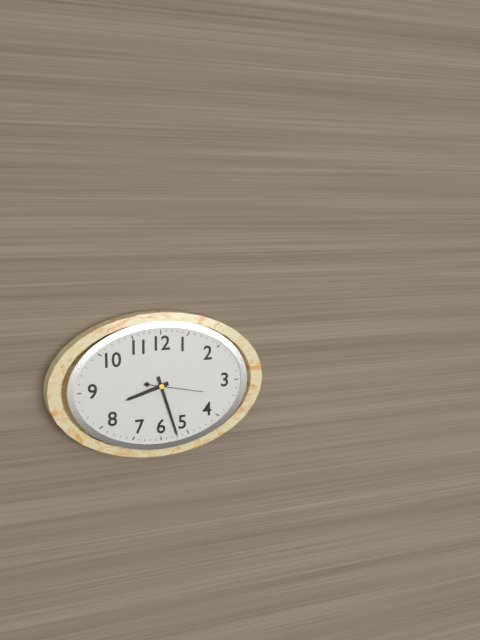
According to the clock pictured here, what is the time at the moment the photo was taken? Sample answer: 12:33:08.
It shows 8:27:17
